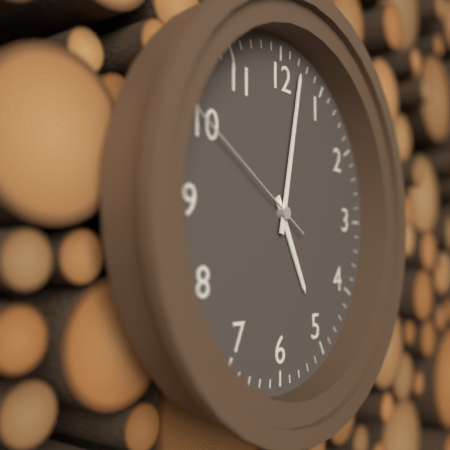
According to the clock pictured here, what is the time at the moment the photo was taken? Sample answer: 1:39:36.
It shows 5:02:50
